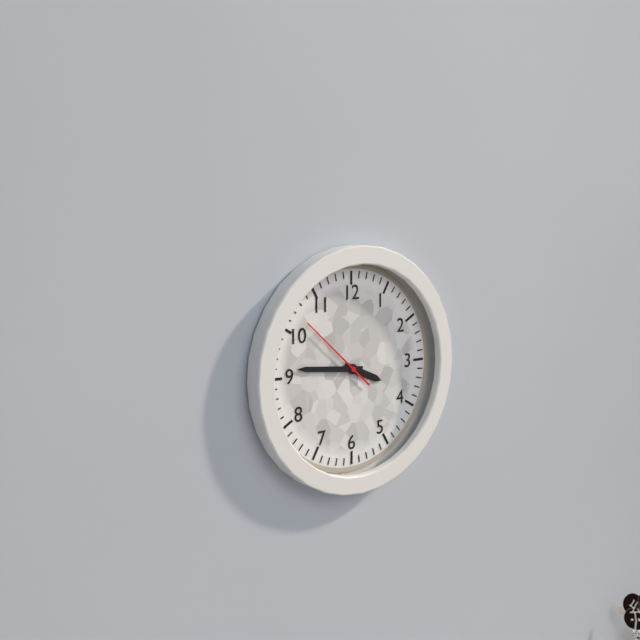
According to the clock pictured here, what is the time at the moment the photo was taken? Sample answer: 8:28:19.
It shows 3:46:52
